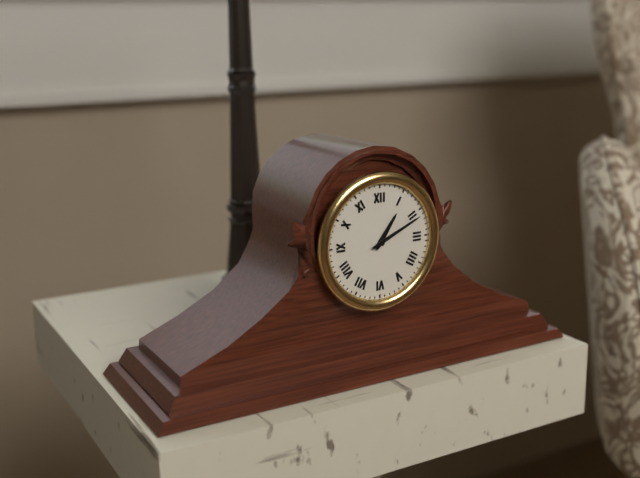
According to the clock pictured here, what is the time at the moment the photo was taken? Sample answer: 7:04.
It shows 1:11
